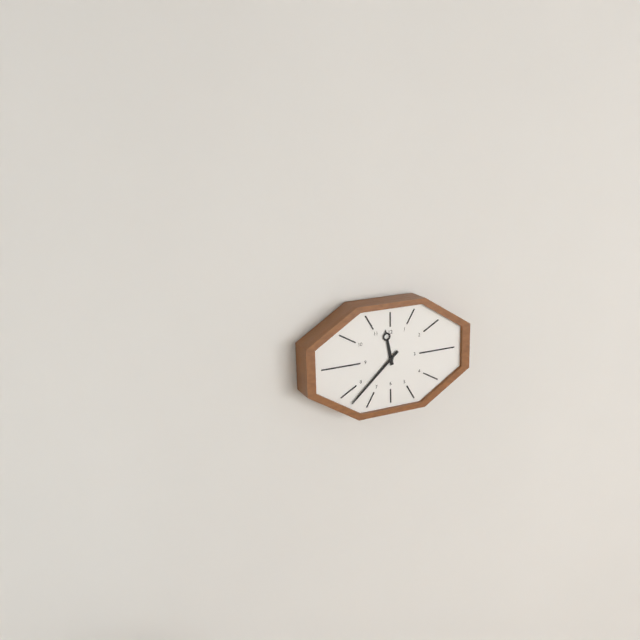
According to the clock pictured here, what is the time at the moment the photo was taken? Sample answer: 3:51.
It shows 11:38
